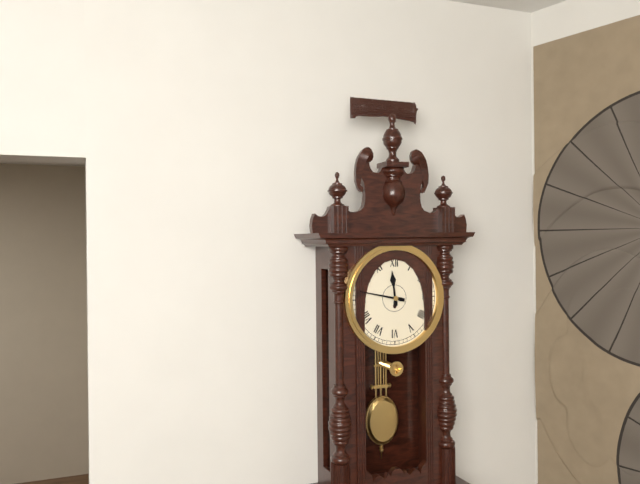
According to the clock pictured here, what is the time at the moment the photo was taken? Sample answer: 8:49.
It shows 11:47
